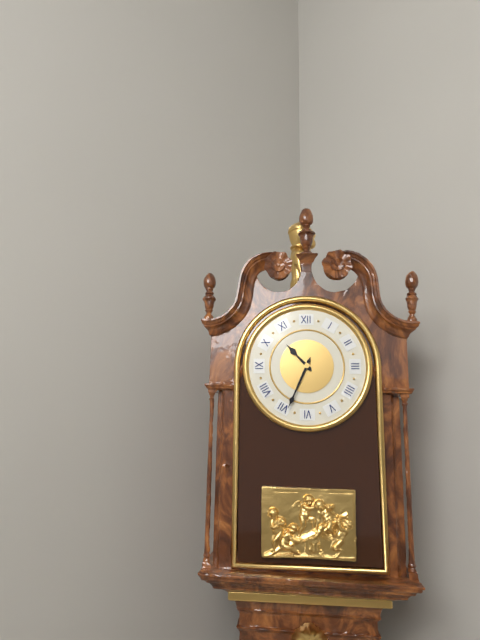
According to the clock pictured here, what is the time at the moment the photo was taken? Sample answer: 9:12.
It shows 10:34
